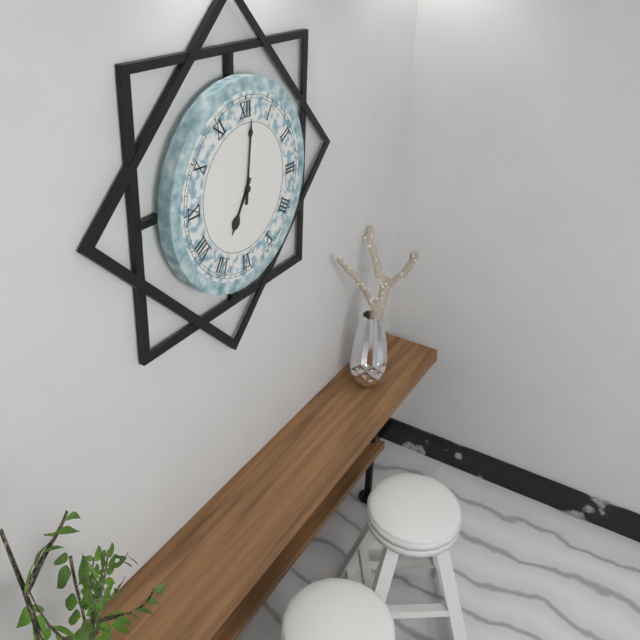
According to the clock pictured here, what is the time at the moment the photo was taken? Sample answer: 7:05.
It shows 7:01
